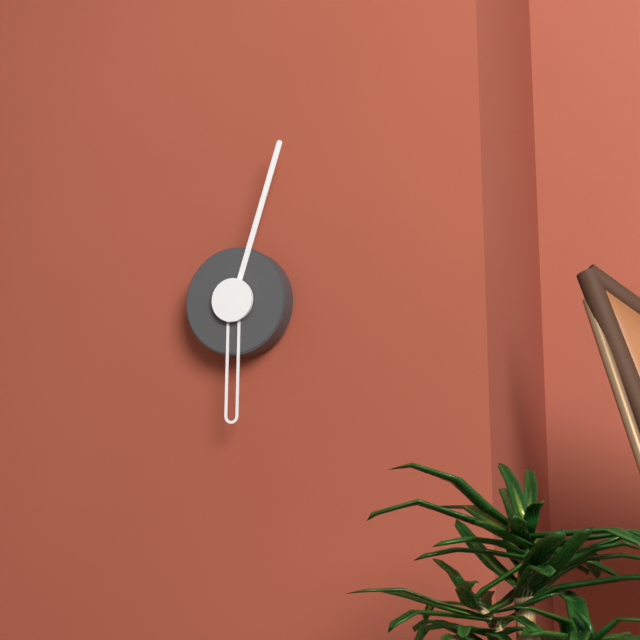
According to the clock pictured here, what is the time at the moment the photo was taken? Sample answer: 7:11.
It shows 6:03
